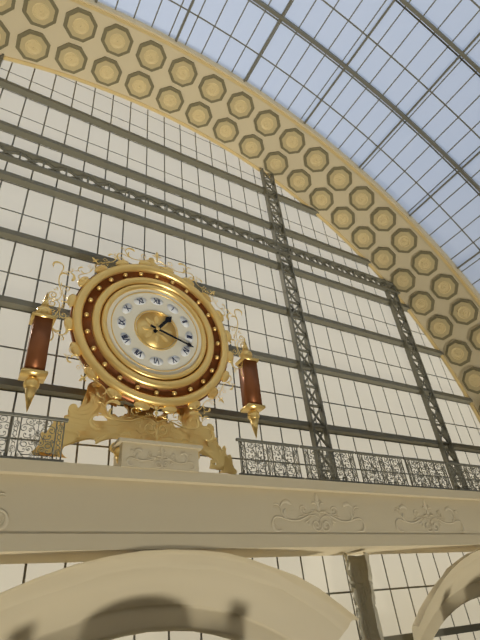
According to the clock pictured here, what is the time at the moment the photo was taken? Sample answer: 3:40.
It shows 1:18
